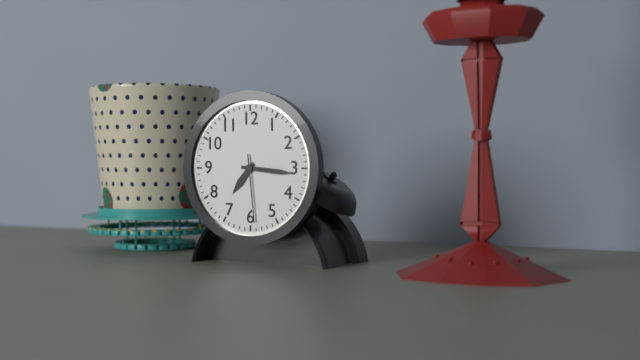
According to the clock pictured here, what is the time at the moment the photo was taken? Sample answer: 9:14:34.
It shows 7:16:29
